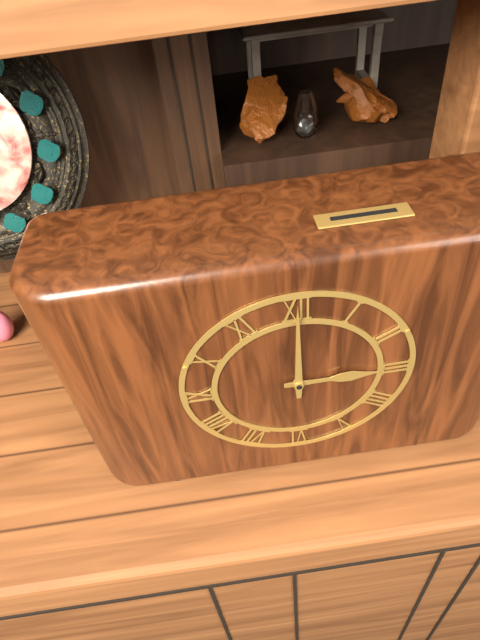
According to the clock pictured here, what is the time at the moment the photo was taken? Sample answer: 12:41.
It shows 3:00
